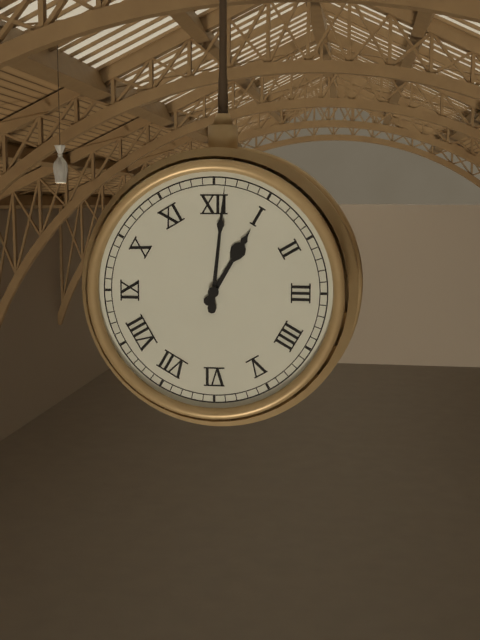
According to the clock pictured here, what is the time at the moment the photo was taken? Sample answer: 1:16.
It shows 1:01
